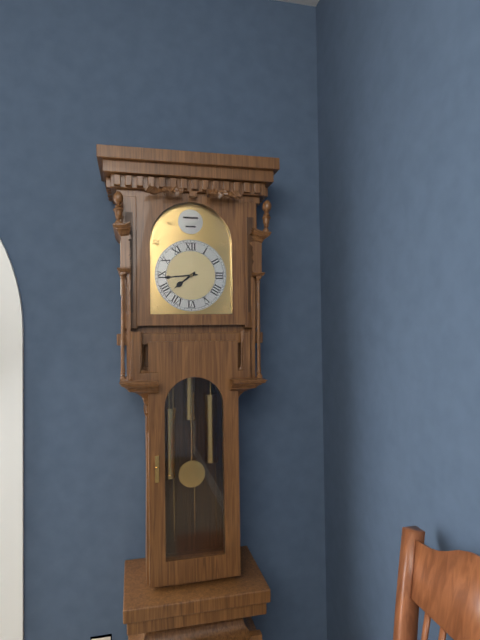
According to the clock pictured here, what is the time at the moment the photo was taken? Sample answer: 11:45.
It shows 7:44
